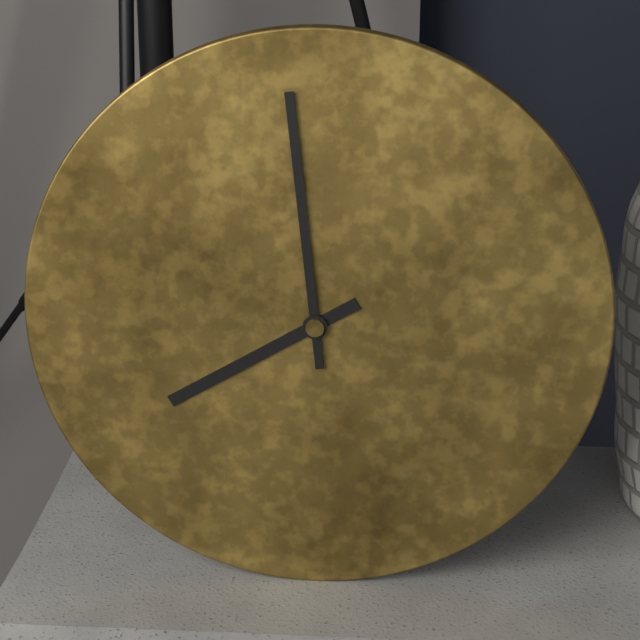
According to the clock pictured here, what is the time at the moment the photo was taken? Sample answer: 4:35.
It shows 7:59
